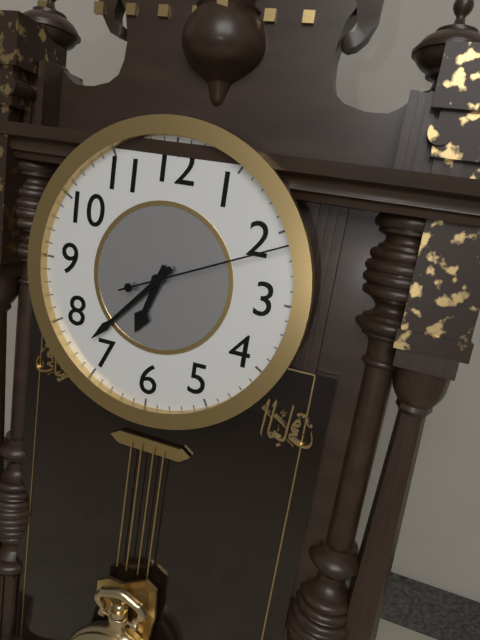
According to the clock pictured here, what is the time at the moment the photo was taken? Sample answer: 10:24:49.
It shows 6:37:11
